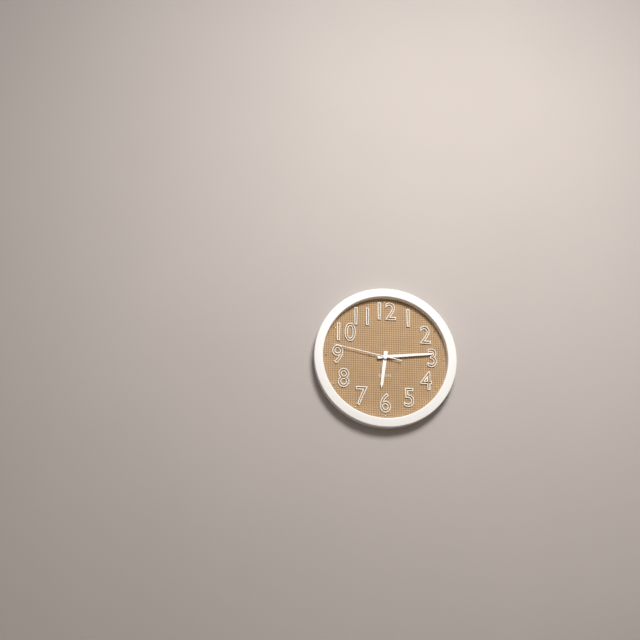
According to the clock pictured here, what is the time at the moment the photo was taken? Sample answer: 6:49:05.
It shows 6:14:47
